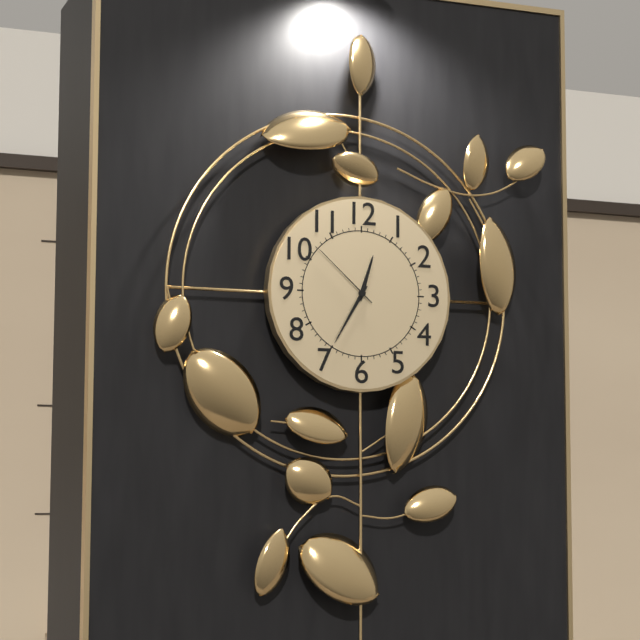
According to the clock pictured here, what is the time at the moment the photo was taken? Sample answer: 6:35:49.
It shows 12:35:52
